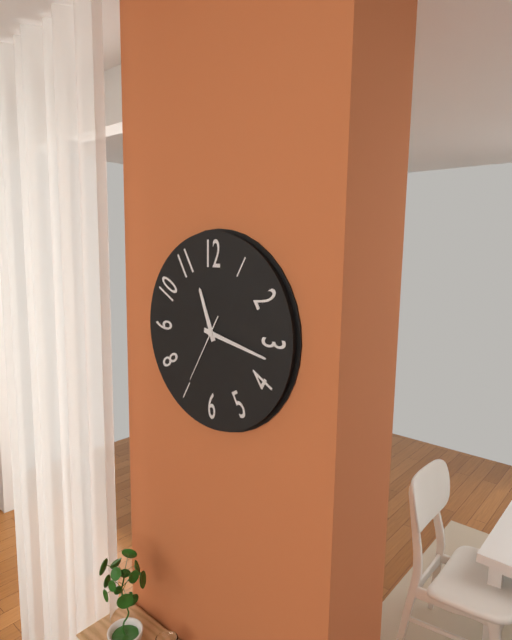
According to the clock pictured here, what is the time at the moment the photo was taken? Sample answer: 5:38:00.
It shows 11:17:35
